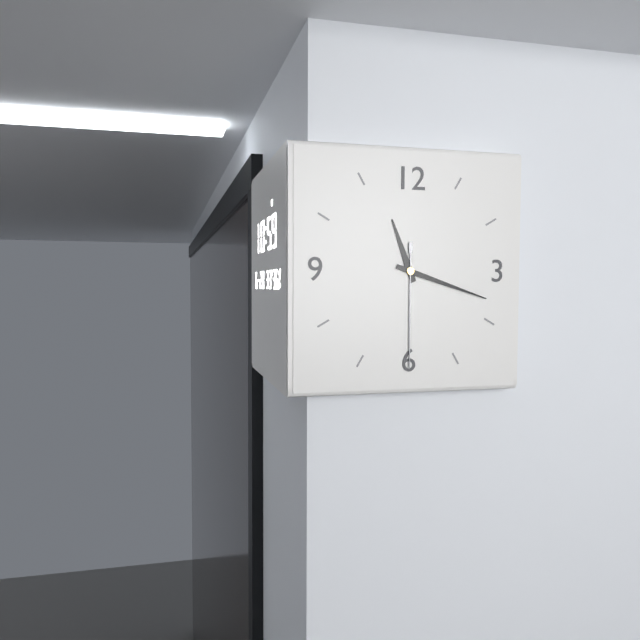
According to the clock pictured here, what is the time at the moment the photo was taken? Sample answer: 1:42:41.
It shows 11:18:30
